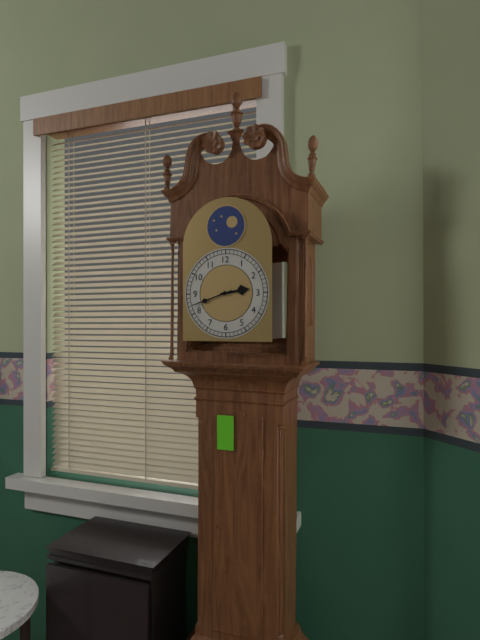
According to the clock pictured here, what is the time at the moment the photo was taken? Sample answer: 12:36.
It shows 2:42
